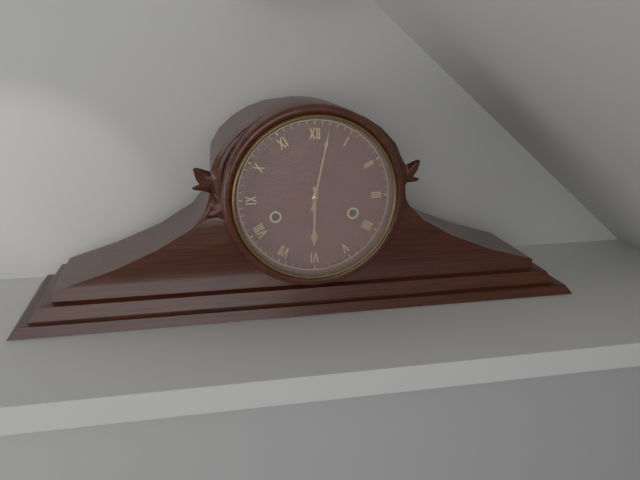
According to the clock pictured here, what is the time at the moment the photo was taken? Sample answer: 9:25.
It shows 6:02
